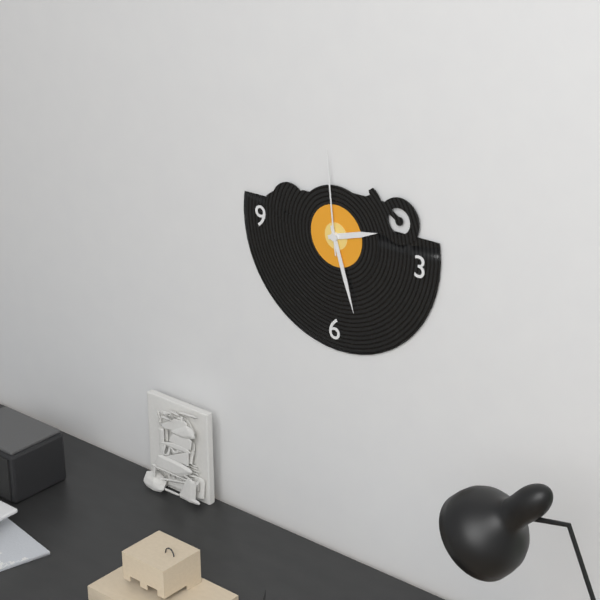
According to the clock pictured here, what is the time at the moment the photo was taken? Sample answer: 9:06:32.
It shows 2:27:59
